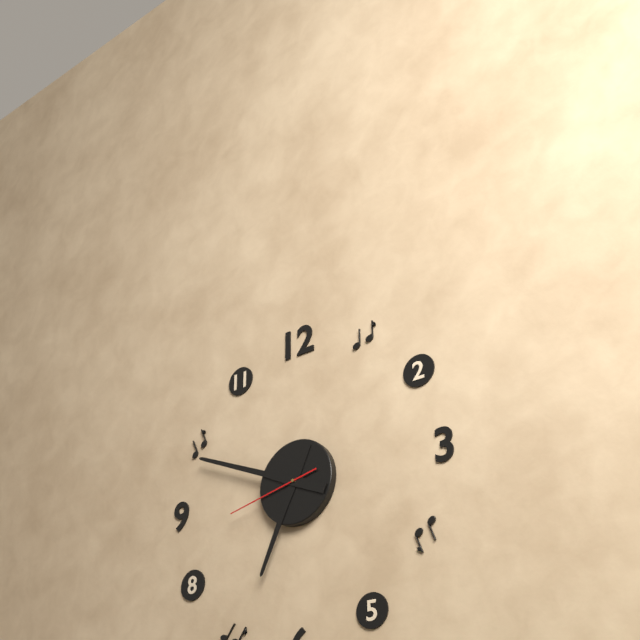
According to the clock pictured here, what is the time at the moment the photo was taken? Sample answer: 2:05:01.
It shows 6:49:43
